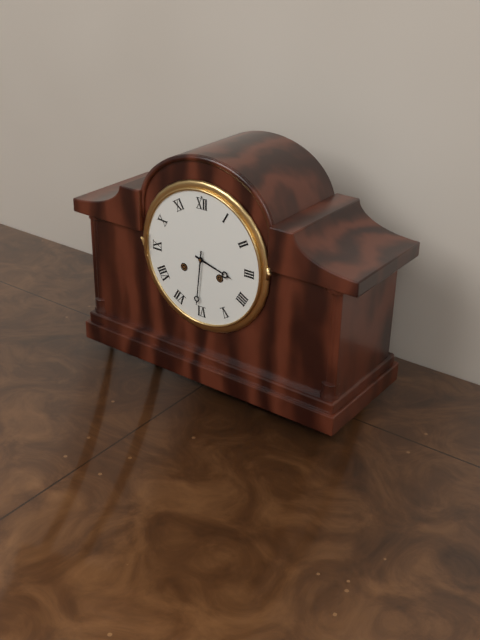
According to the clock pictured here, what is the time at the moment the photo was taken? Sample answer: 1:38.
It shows 3:31
